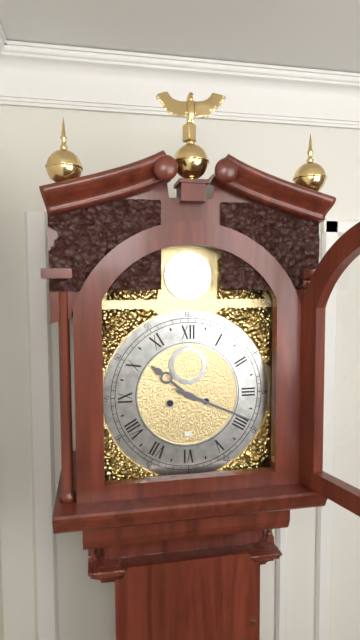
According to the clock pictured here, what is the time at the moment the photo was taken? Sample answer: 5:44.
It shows 10:19
